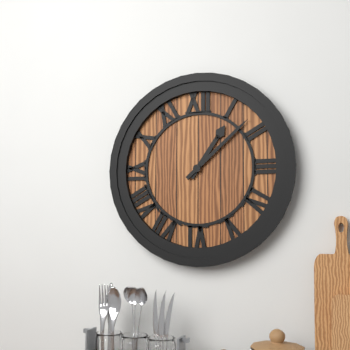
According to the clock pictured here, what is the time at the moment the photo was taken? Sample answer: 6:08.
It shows 1:08
